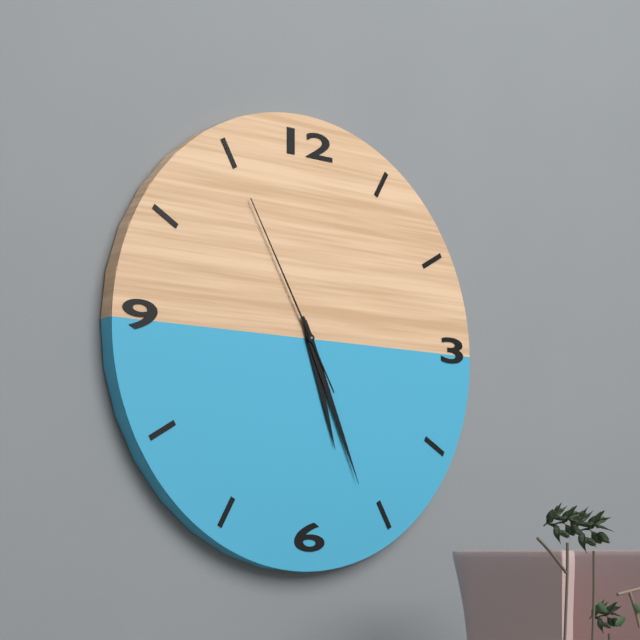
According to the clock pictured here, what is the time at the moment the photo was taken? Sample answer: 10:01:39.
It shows 5:26:55
